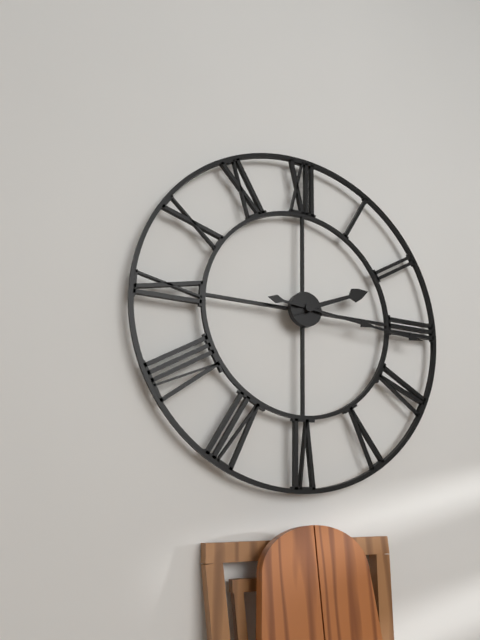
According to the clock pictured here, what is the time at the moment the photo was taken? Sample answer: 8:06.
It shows 2:16
